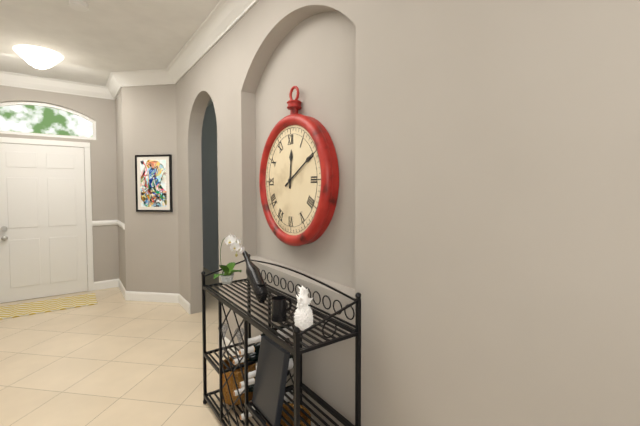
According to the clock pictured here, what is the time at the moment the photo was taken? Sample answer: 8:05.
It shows 12:10
